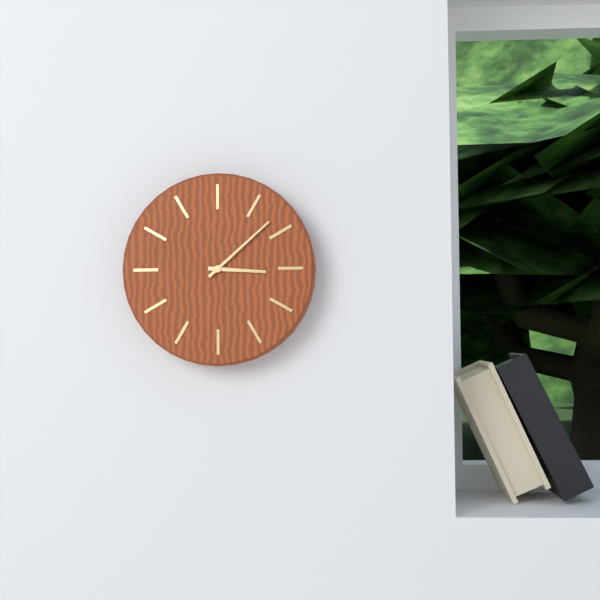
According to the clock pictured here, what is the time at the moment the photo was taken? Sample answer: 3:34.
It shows 3:08
